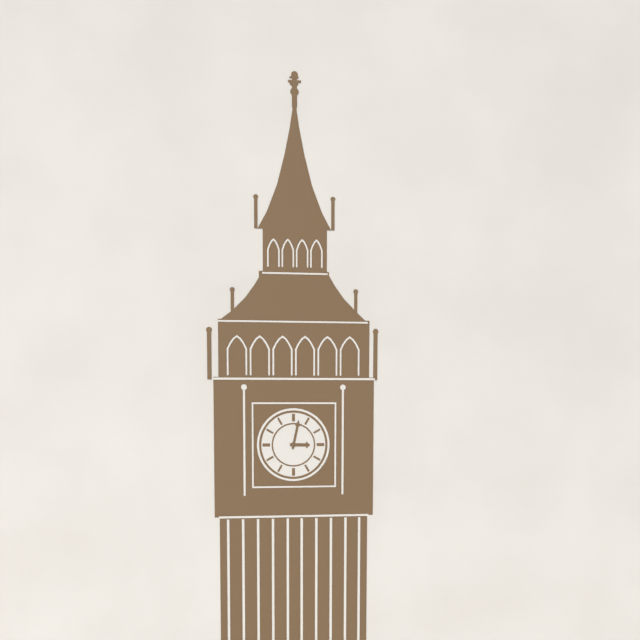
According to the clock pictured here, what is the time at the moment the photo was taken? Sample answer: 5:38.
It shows 3:02
